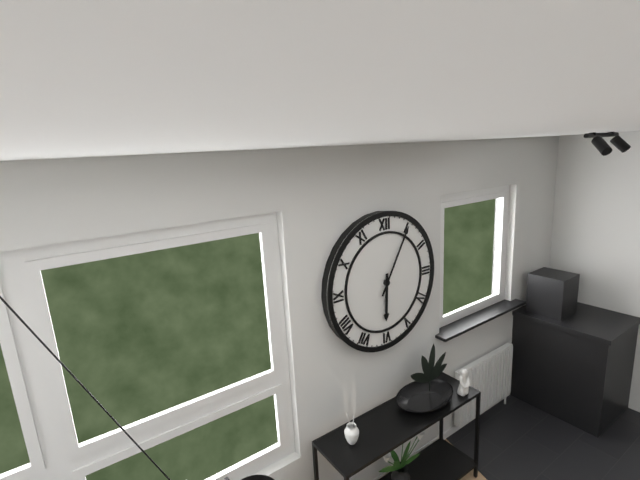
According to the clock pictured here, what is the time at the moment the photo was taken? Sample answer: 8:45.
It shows 6:05
